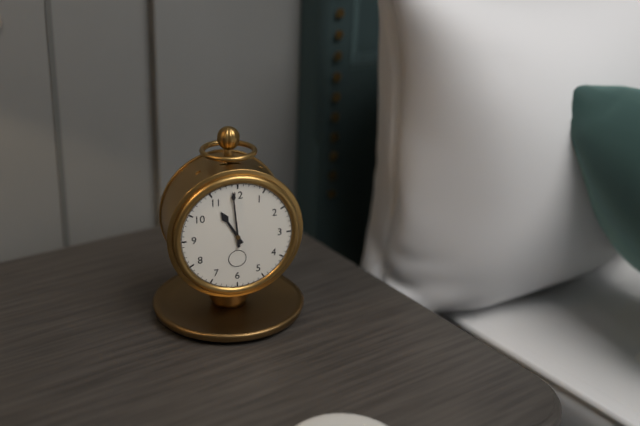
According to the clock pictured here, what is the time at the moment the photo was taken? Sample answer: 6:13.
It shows 10:59
